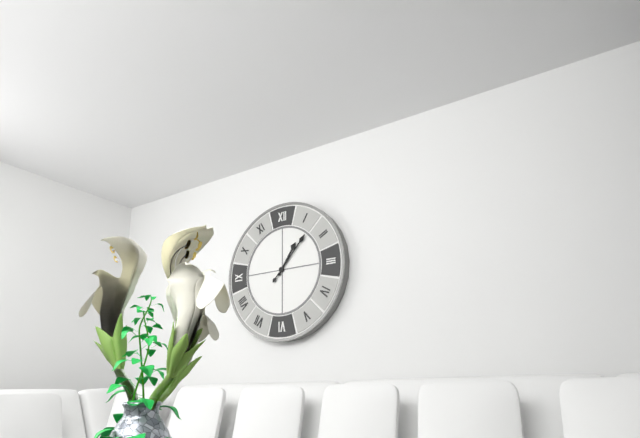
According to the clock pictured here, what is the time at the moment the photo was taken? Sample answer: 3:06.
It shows 1:07
